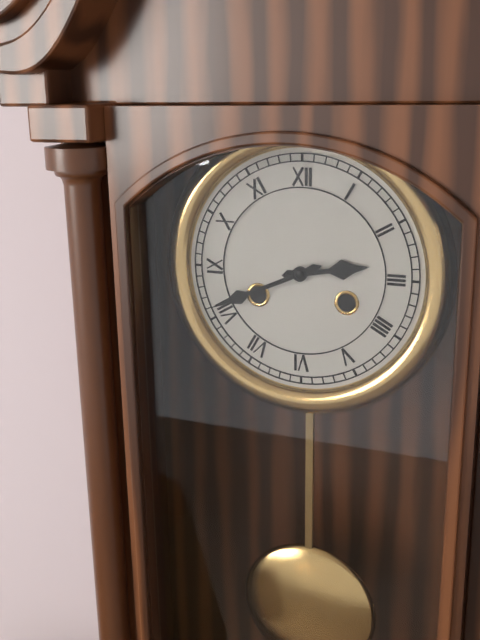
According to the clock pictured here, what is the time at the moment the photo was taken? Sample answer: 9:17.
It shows 2:41
